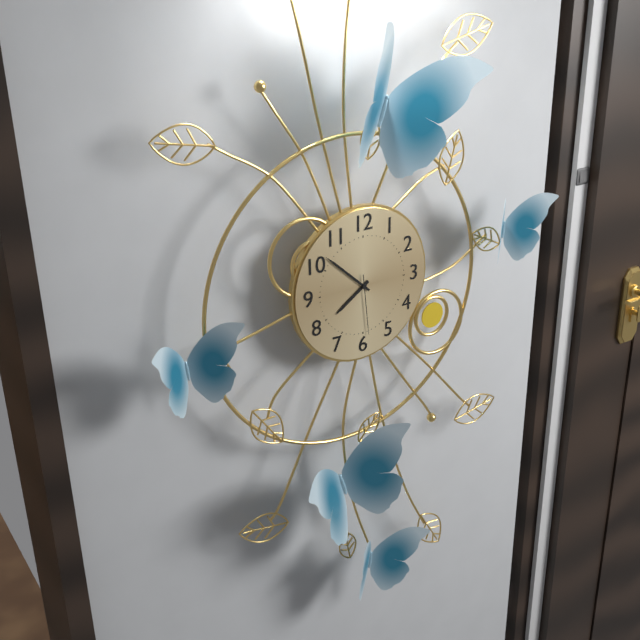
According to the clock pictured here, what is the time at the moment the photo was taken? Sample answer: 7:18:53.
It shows 7:52:29
